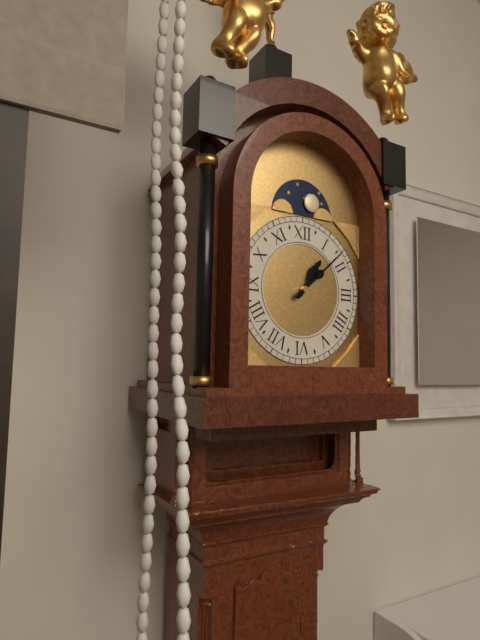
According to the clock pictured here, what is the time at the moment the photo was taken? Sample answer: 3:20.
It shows 1:08
